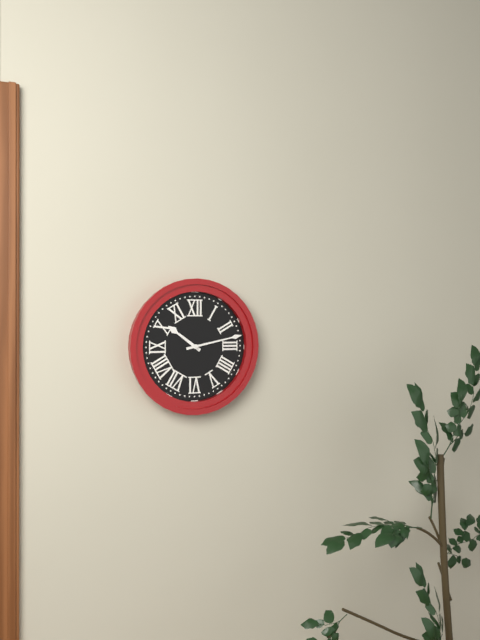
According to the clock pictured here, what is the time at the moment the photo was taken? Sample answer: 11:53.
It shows 10:13
